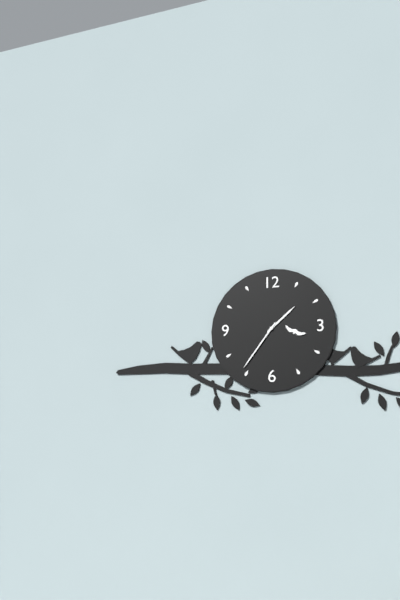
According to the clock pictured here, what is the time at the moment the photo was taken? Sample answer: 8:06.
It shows 1:36
